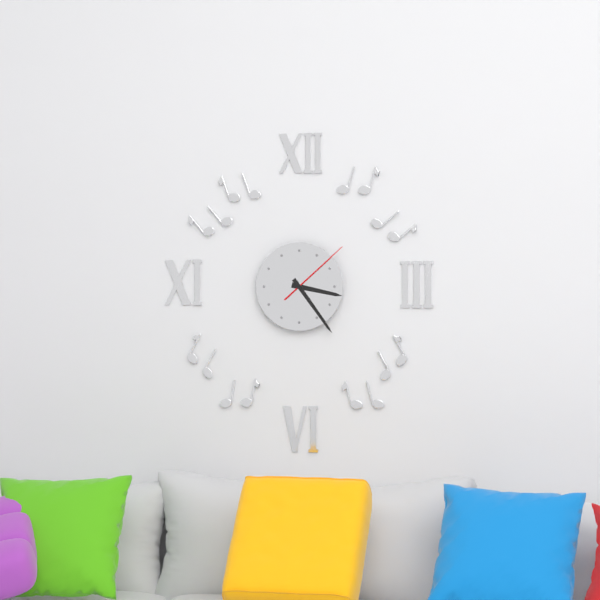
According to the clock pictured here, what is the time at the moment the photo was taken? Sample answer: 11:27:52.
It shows 3:24:08
